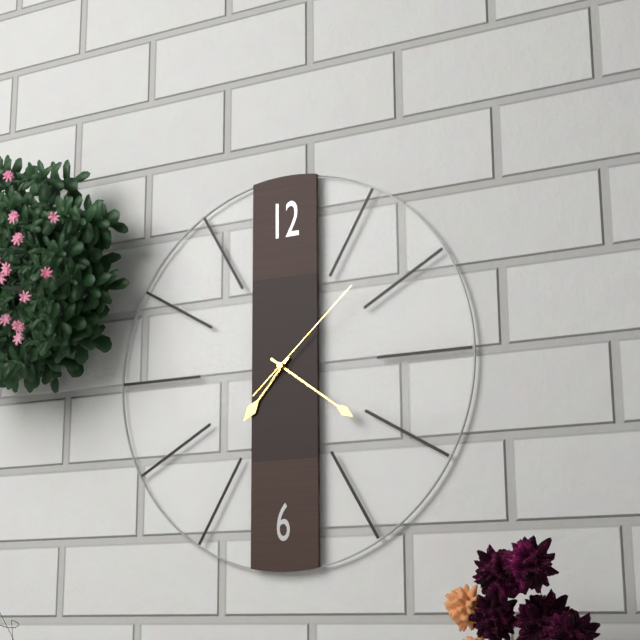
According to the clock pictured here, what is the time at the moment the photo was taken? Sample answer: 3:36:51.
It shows 7:21:08
